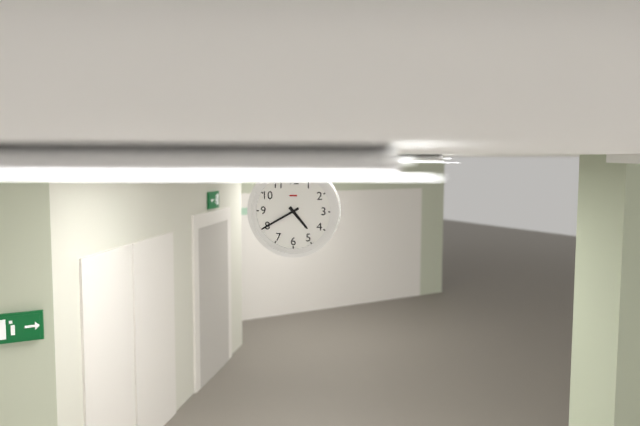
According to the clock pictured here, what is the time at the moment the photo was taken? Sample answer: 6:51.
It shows 4:40
